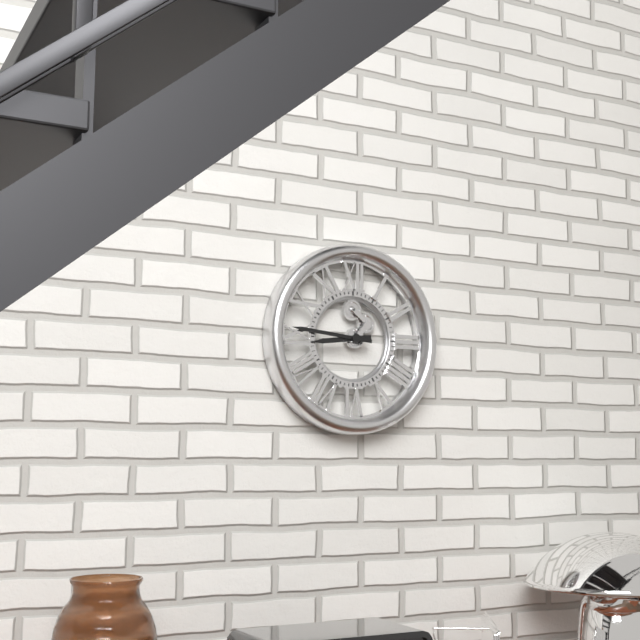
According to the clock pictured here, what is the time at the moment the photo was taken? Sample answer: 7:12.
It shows 8:46
